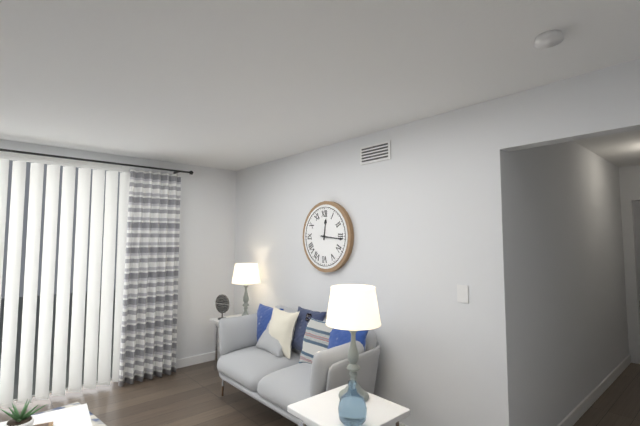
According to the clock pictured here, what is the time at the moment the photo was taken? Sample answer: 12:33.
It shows 12:16
